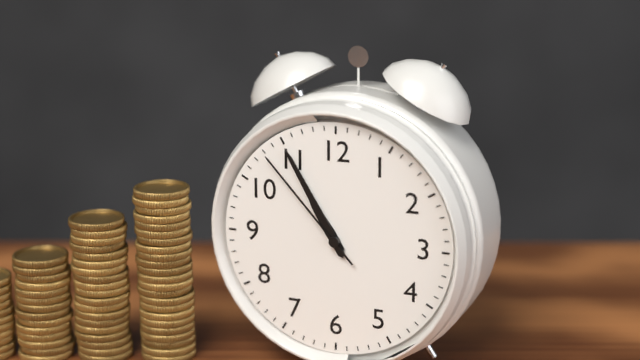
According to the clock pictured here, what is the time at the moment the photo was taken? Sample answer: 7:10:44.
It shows 10:55:53
